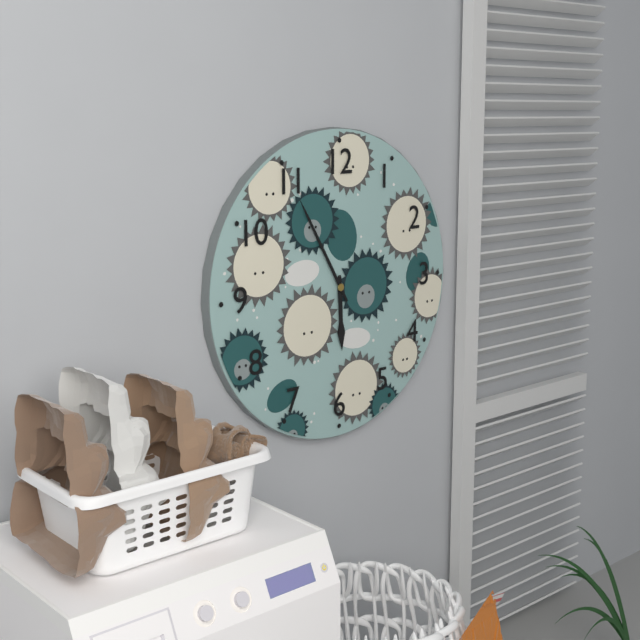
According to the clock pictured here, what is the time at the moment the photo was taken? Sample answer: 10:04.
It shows 5:55
